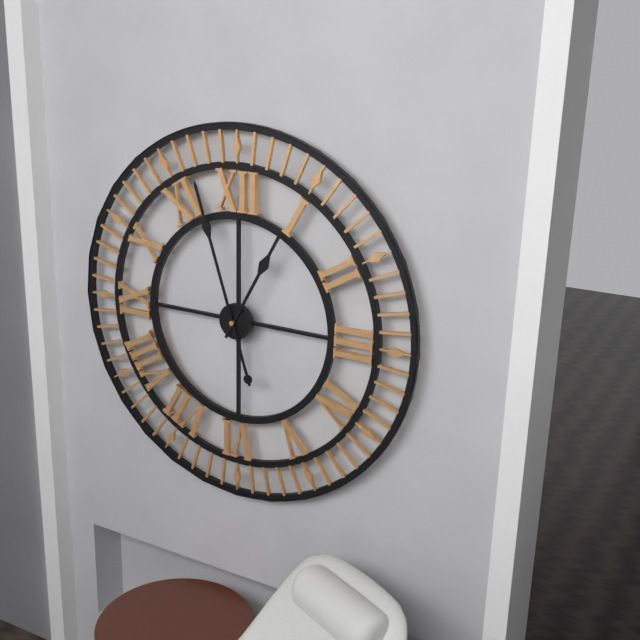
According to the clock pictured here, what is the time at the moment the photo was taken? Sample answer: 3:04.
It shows 12:57
